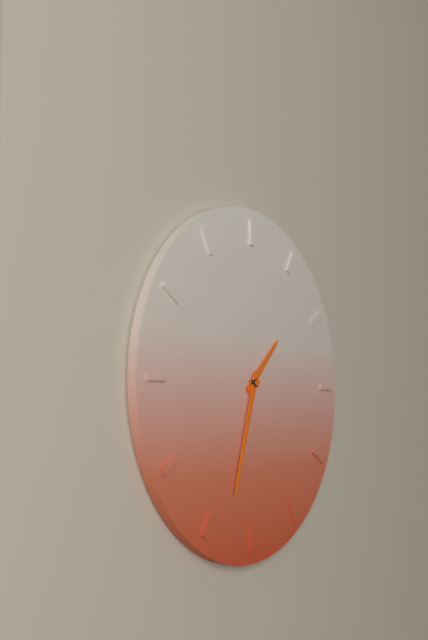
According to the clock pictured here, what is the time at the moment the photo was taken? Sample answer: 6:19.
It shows 1:33
